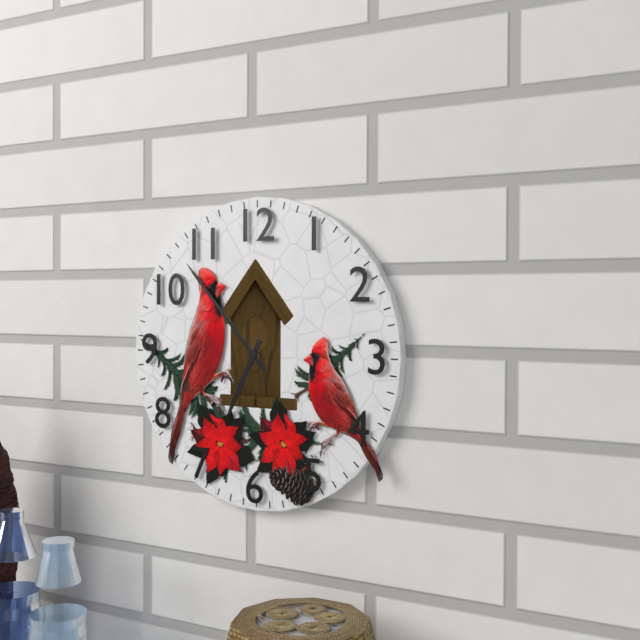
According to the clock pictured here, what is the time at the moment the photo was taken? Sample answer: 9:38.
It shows 6:53
